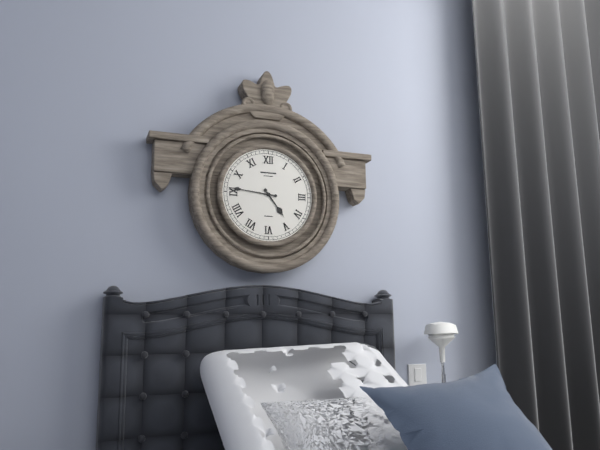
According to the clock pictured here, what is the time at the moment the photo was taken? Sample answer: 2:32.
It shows 4:46
